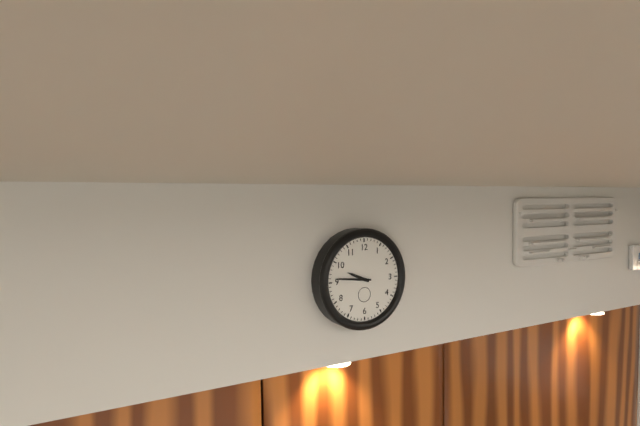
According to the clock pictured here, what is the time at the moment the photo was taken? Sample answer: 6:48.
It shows 9:46
